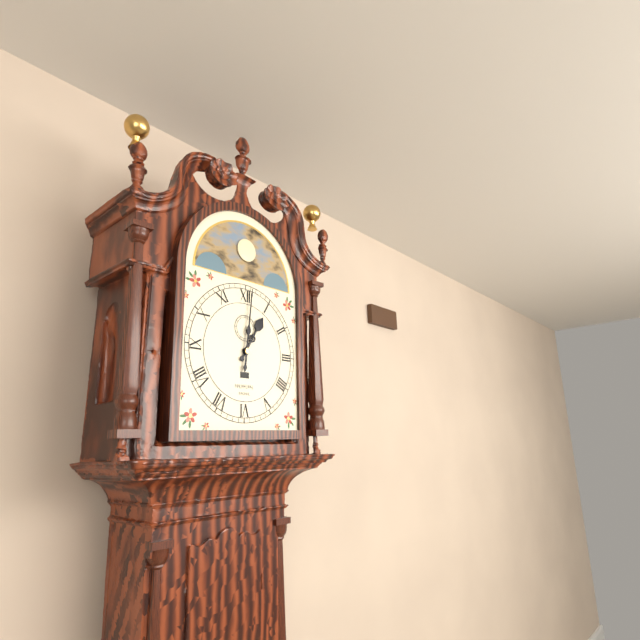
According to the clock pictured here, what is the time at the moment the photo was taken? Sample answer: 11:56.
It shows 1:01
